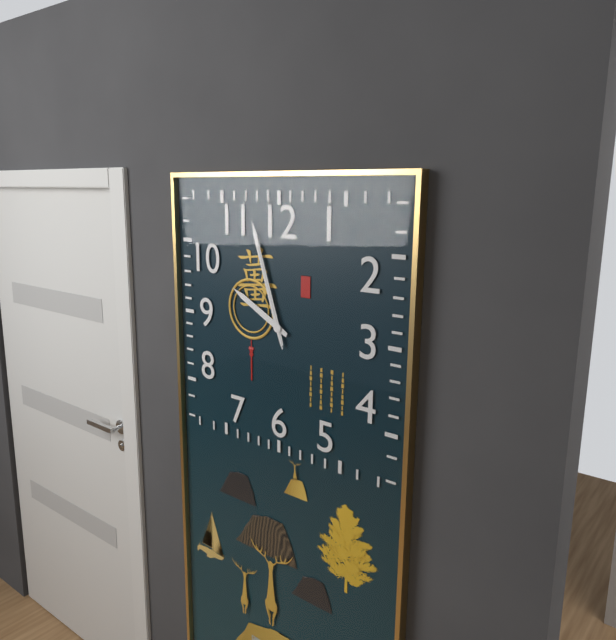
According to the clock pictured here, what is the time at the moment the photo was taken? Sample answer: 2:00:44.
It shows 9:57:57
